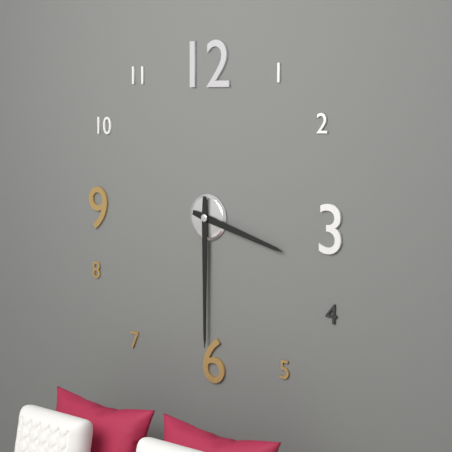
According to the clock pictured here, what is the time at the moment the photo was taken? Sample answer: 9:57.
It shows 3:30
